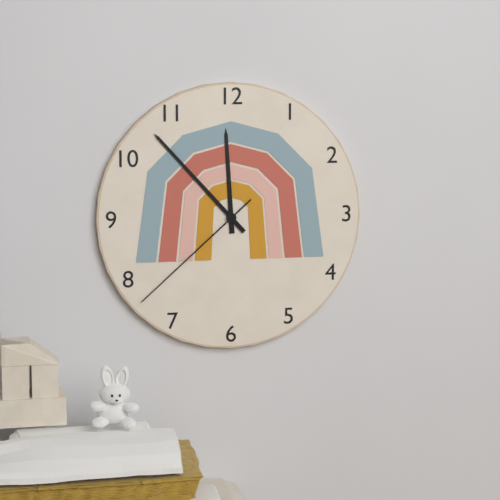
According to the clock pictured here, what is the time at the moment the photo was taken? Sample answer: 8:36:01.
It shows 11:53:38
